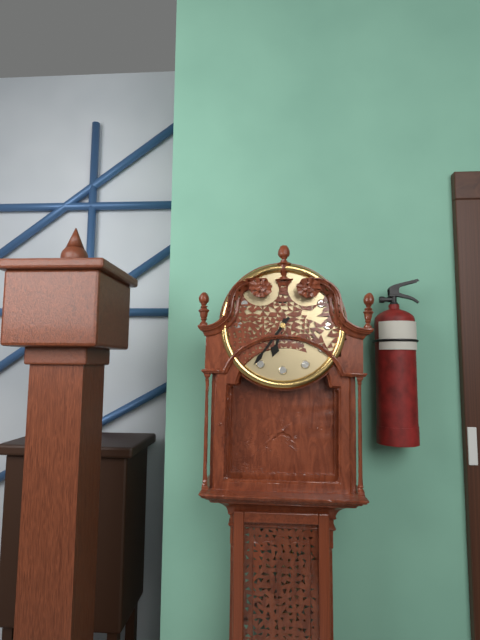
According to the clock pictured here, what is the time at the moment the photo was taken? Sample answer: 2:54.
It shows 6:36
